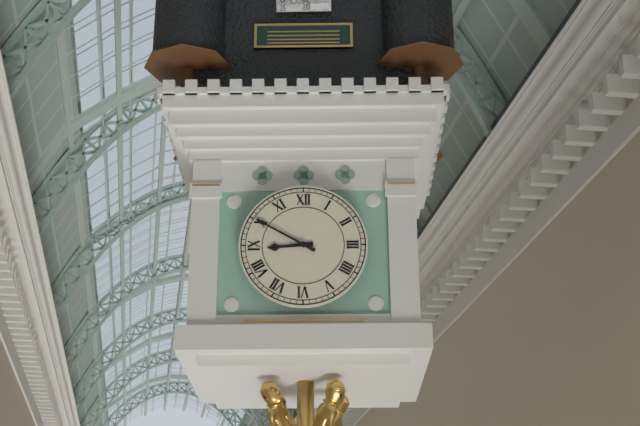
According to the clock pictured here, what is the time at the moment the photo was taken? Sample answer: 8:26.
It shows 8:50
